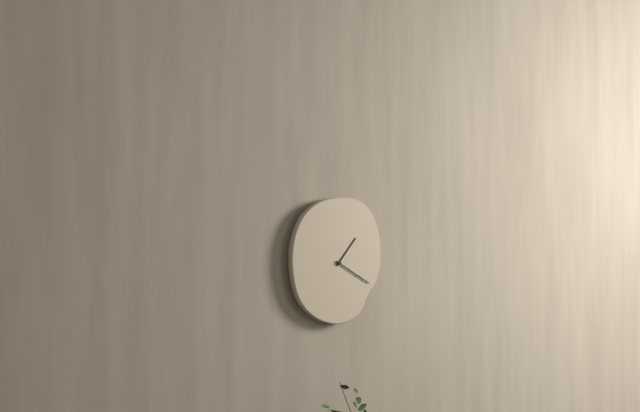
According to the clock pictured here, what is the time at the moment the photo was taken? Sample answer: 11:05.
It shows 1:20
